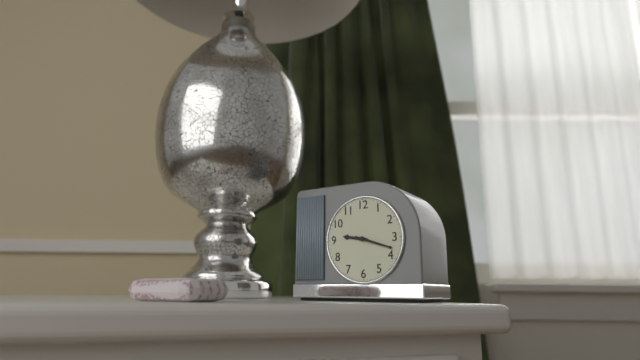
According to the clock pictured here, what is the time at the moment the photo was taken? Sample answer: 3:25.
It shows 9:18
